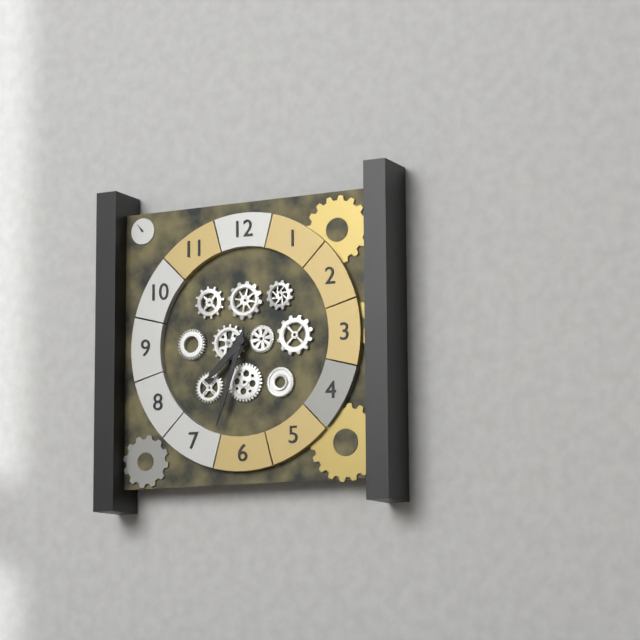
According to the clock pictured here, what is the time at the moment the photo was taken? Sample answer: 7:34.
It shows 7:33
